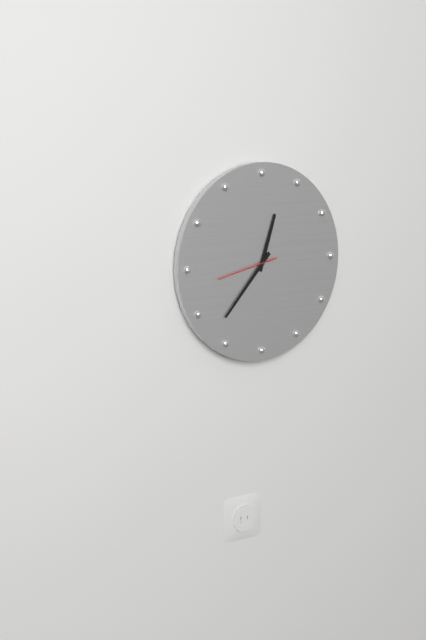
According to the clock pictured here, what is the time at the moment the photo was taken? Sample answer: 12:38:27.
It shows 12:37:43
